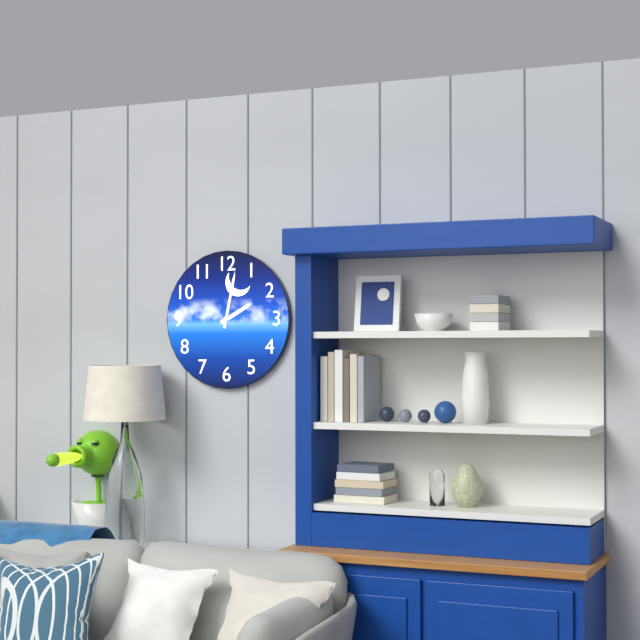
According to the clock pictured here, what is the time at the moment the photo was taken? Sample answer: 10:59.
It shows 2:02
